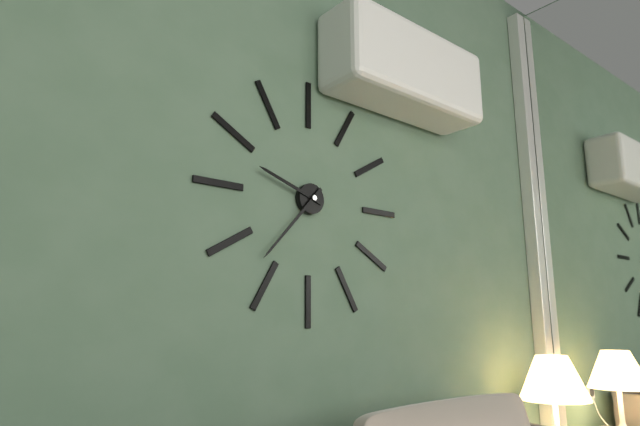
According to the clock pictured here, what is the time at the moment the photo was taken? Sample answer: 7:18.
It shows 9:37
